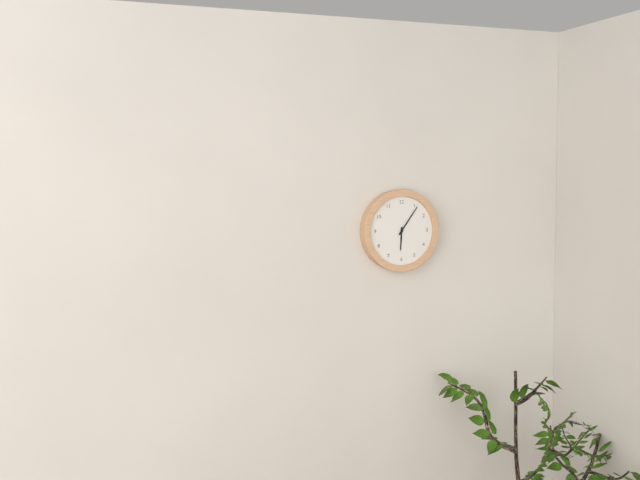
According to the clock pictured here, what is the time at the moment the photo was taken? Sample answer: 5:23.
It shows 6:06
